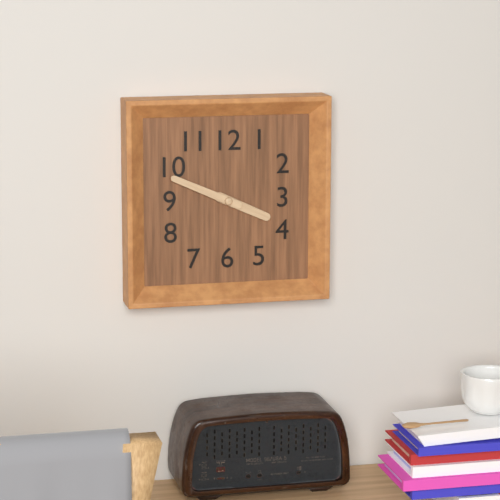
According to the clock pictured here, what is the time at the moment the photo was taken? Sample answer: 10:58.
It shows 3:49
